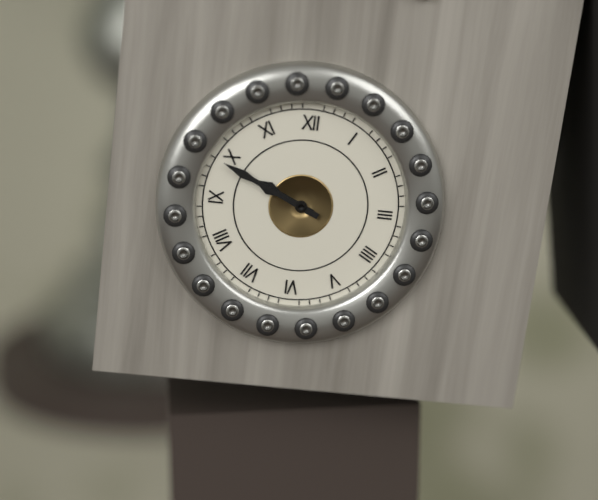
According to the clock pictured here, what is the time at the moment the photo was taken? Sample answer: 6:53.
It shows 9:49
